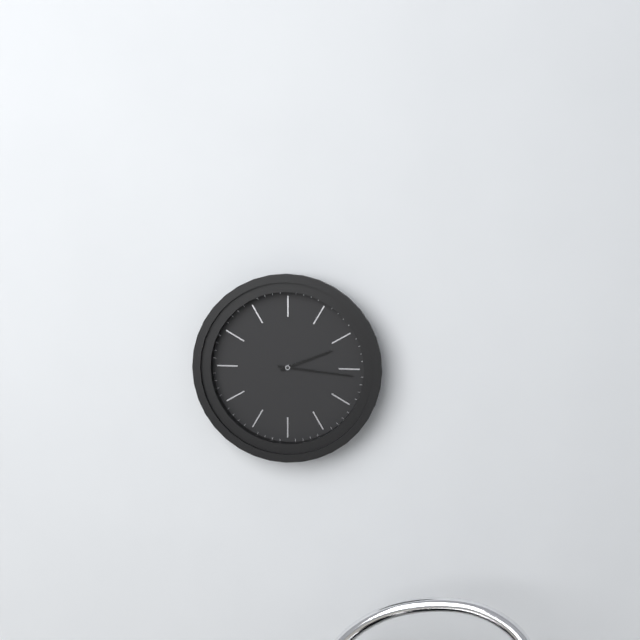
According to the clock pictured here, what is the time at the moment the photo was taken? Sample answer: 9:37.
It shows 2:16
